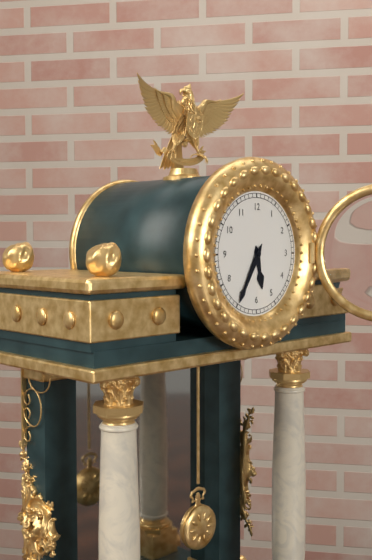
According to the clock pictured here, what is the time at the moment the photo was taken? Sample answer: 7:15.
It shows 5:35
